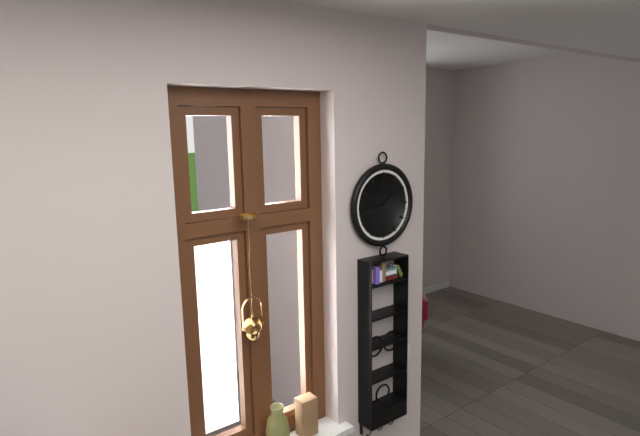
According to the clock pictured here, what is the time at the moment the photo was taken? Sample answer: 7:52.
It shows 1:43
